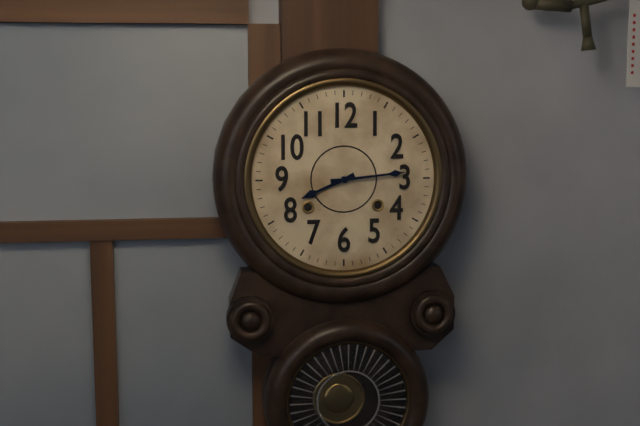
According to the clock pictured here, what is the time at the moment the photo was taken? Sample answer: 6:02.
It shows 8:14
